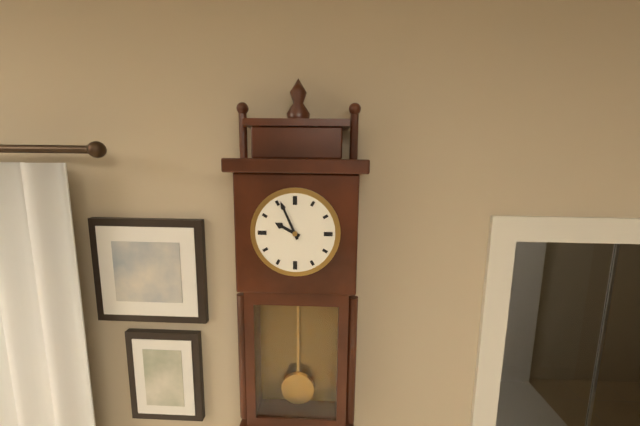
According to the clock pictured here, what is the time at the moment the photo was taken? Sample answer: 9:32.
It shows 9:56
